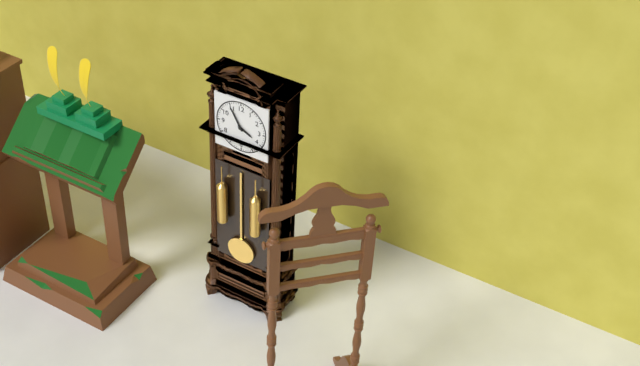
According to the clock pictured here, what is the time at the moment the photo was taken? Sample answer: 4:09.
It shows 3:55
